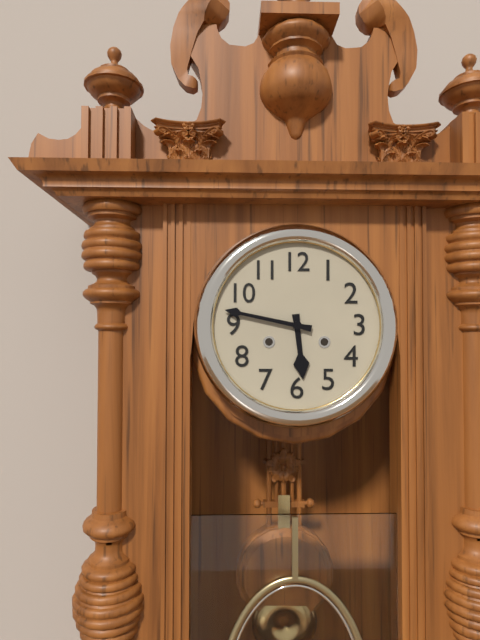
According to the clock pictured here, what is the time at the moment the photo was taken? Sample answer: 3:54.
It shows 5:47
